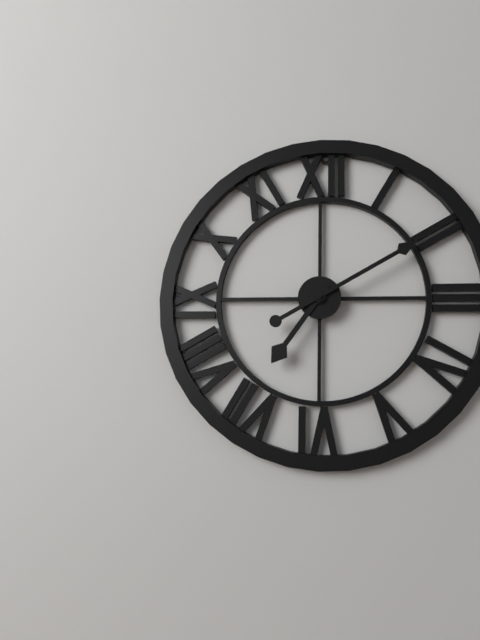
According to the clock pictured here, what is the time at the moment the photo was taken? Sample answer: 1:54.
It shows 7:10
